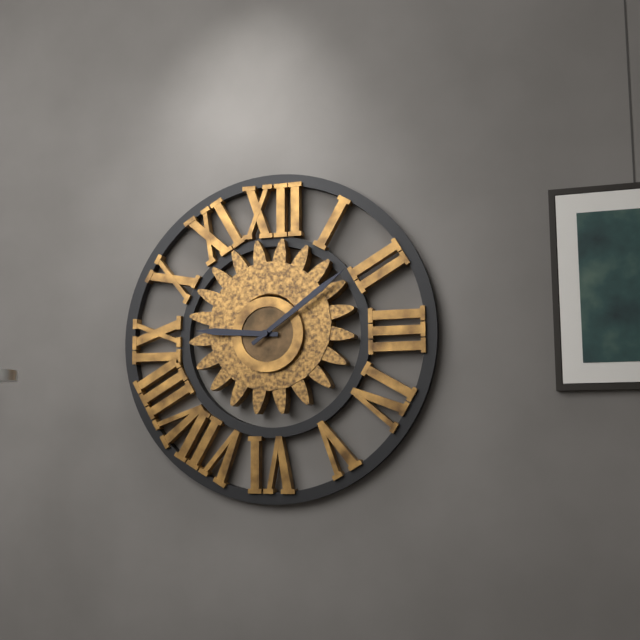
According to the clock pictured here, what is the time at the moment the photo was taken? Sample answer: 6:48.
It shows 9:09
